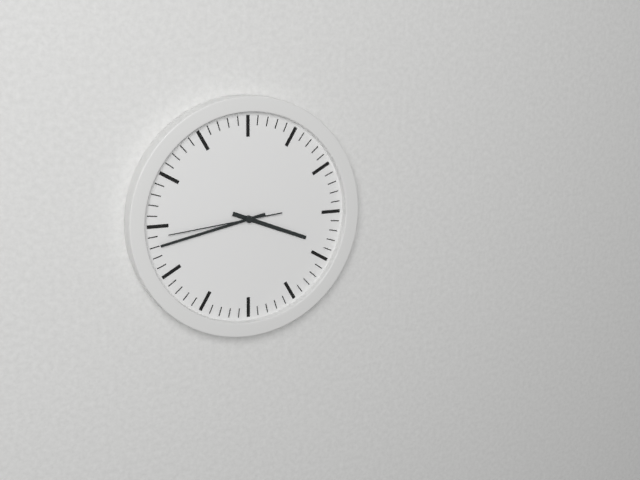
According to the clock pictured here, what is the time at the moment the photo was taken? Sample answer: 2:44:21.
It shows 3:43:44
